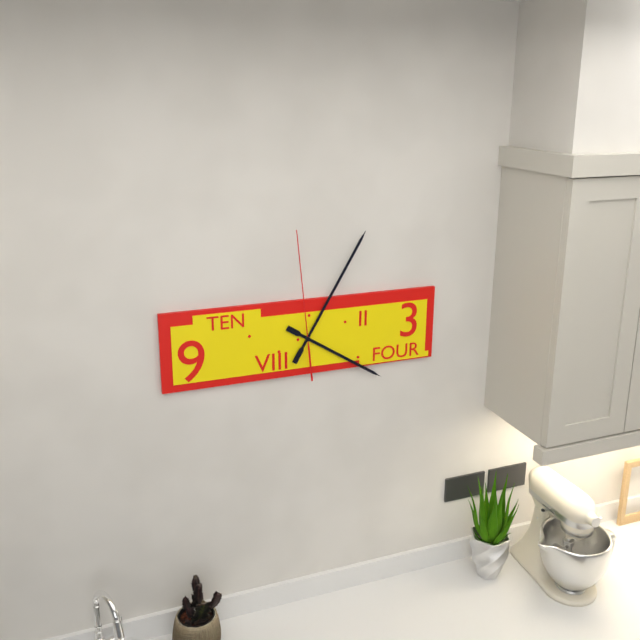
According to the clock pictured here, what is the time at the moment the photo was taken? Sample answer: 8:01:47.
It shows 4:05:59
